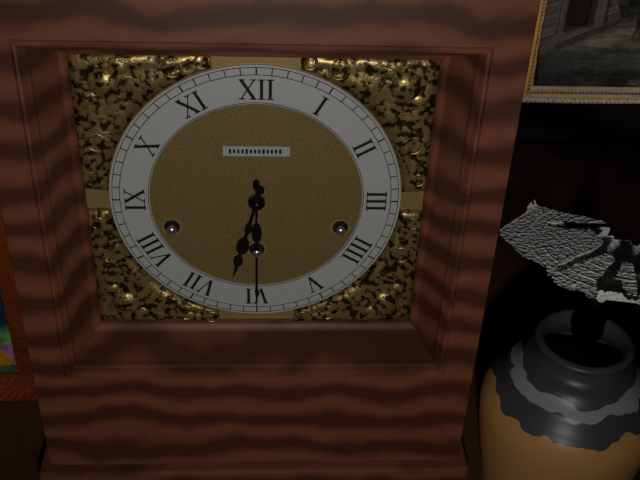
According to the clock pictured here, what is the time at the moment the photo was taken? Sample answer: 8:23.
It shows 6:30
